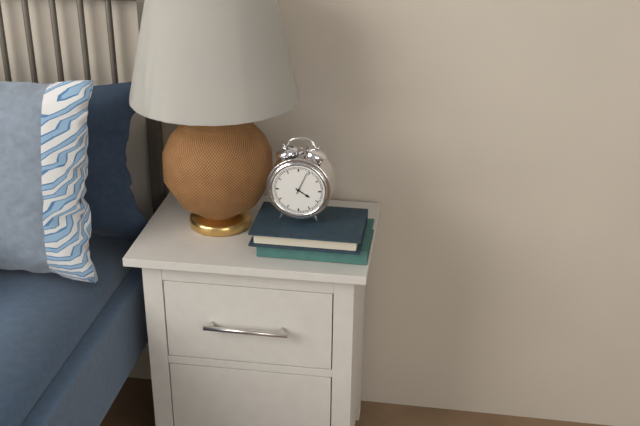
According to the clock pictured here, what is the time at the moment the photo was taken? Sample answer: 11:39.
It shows 4:04
